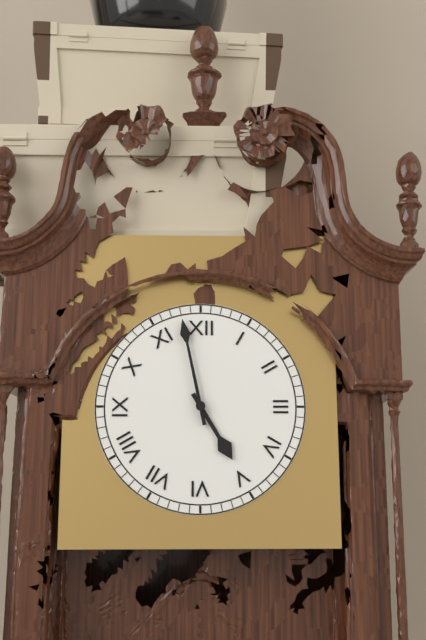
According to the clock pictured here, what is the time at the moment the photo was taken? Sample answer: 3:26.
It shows 4:58
